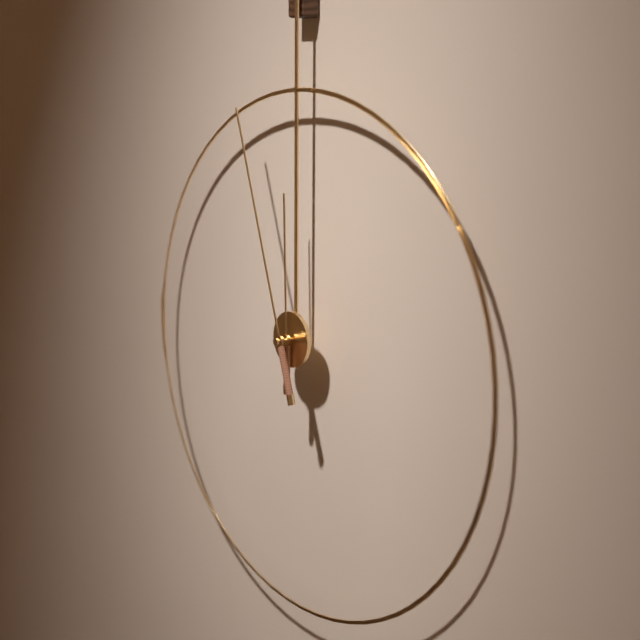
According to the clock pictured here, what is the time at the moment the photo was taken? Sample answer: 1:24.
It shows 11:57
